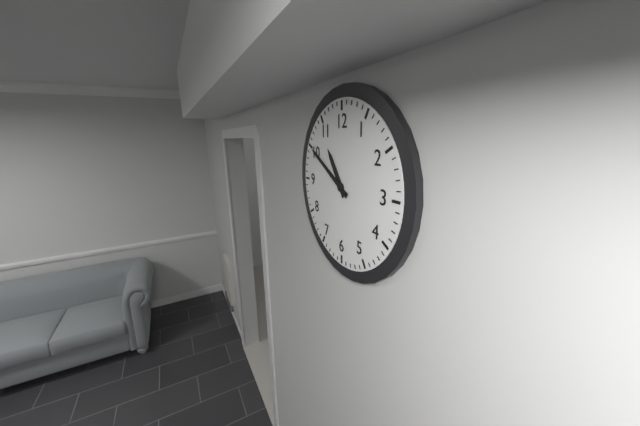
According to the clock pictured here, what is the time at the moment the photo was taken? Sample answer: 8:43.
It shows 10:50
